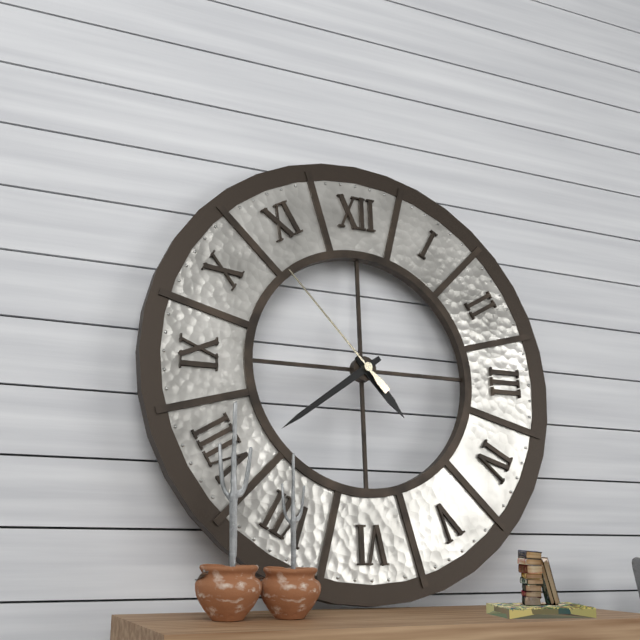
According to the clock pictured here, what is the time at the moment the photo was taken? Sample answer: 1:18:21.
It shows 4:39:53
